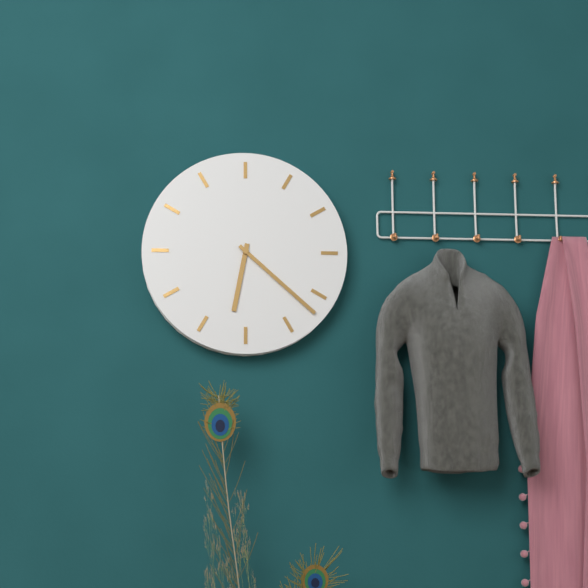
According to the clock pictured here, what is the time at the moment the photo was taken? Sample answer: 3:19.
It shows 6:22
